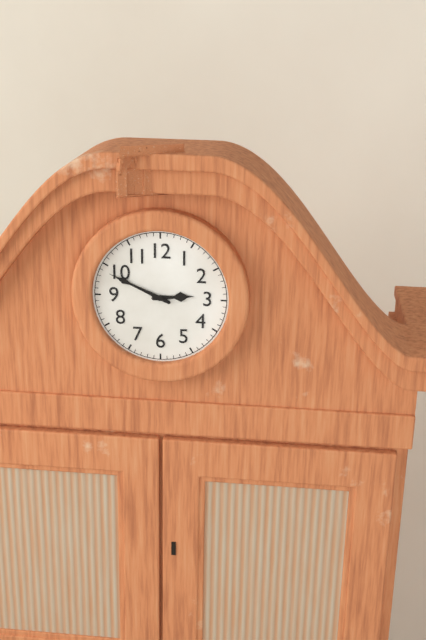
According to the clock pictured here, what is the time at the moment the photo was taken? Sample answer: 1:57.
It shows 2:49
